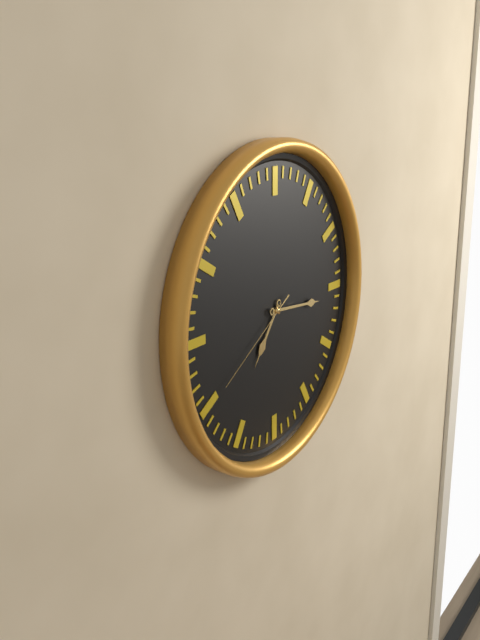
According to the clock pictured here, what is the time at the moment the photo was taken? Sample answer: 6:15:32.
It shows 7:16:40
